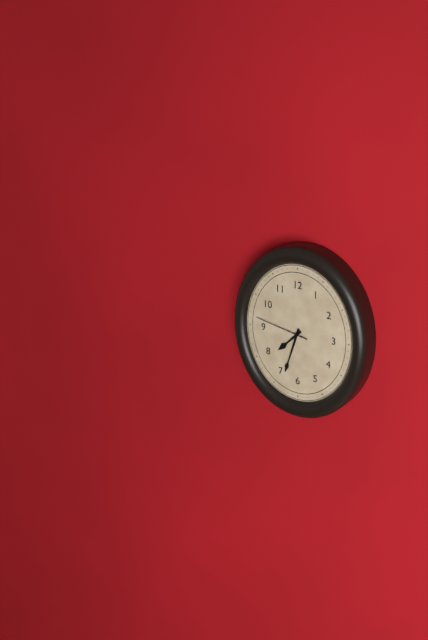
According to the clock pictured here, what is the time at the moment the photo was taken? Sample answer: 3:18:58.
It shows 7:33:47
